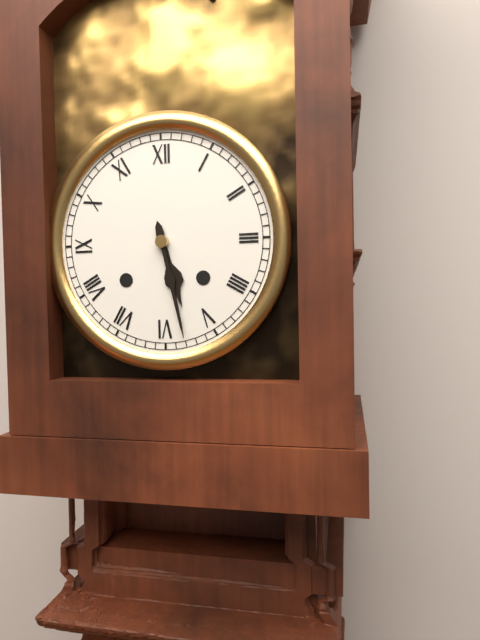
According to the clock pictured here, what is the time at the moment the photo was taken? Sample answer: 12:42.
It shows 5:28
